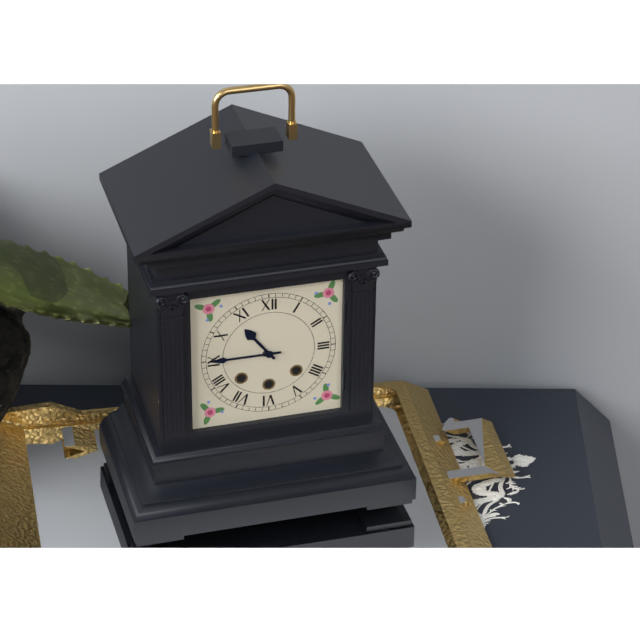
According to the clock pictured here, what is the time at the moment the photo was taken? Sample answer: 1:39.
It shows 10:45
